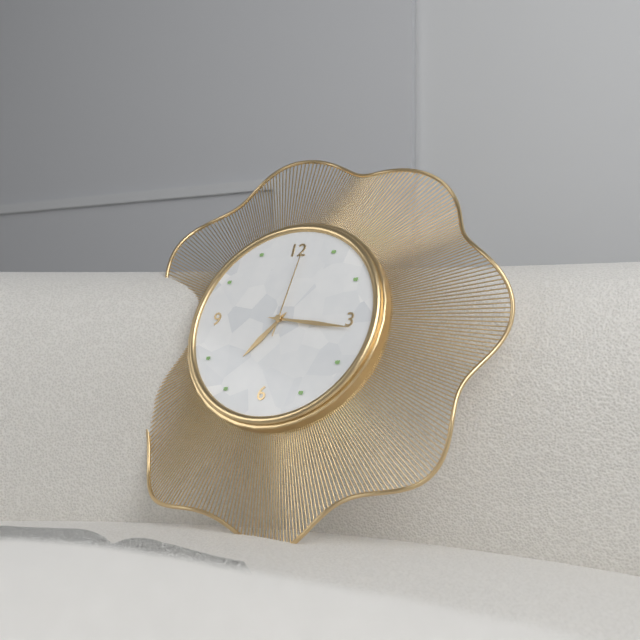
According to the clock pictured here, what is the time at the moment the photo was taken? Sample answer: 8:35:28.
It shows 7:16:01
